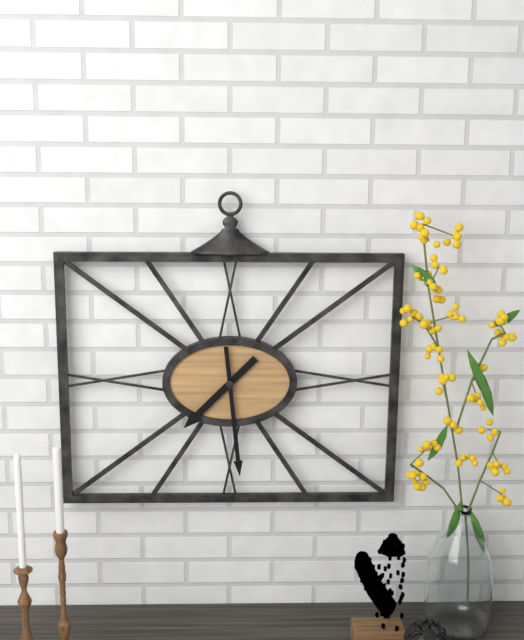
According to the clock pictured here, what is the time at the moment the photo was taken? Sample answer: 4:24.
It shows 7:29
